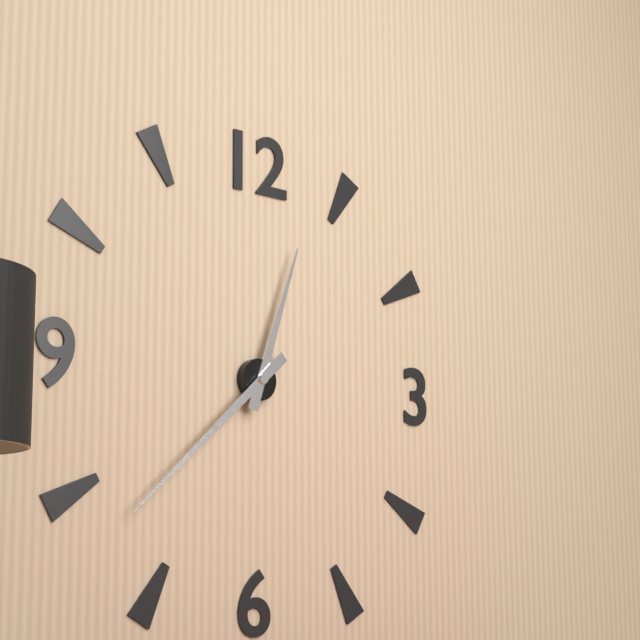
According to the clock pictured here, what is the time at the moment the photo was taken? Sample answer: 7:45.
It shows 12:38
